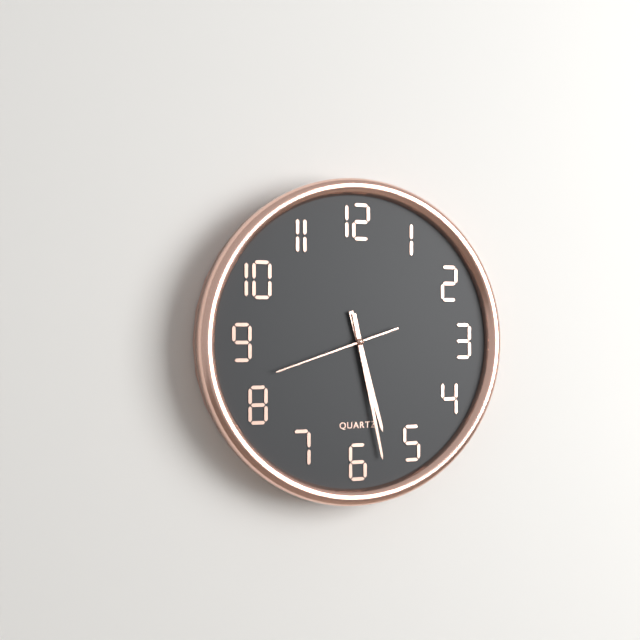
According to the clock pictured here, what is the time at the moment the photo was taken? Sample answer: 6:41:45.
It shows 5:28:42
